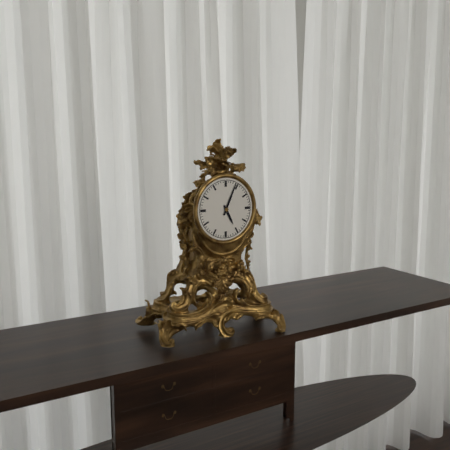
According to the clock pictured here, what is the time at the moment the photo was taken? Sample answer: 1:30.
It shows 5:04
